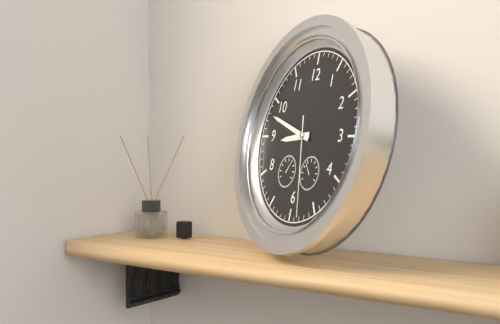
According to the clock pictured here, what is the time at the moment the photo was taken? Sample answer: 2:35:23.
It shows 8:48:28
